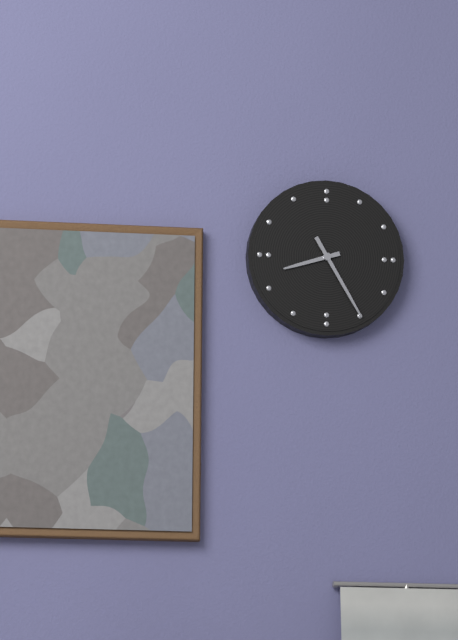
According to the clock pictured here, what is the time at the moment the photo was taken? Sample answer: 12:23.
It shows 8:25
